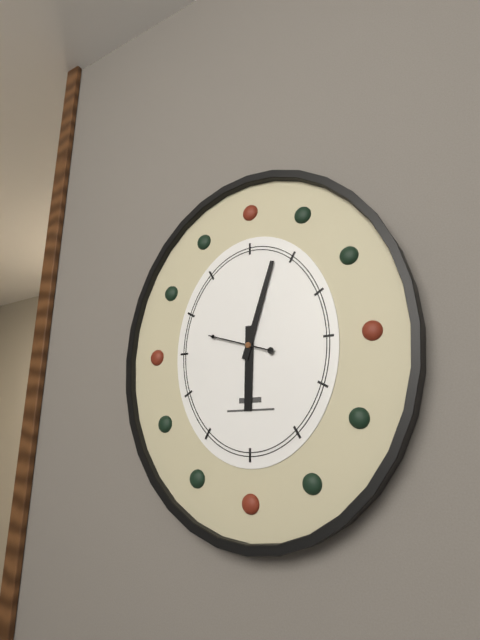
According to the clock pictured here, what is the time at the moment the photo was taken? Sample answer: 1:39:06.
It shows 6:03:48
